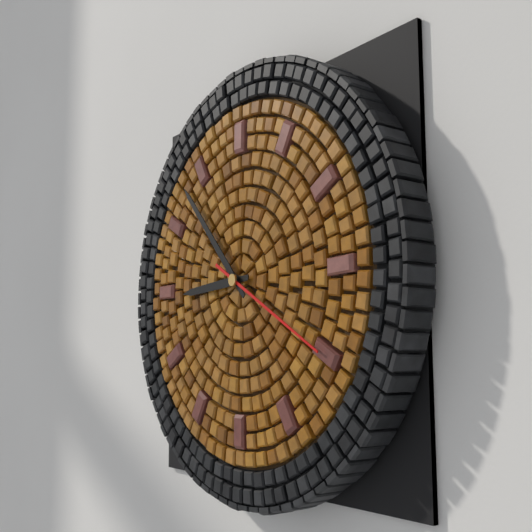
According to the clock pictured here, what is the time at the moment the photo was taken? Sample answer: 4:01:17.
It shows 8:53:20
